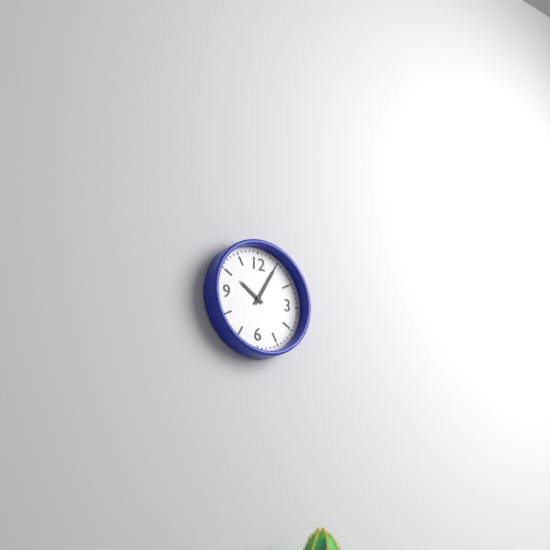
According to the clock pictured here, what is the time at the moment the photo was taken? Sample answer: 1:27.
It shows 10:05
